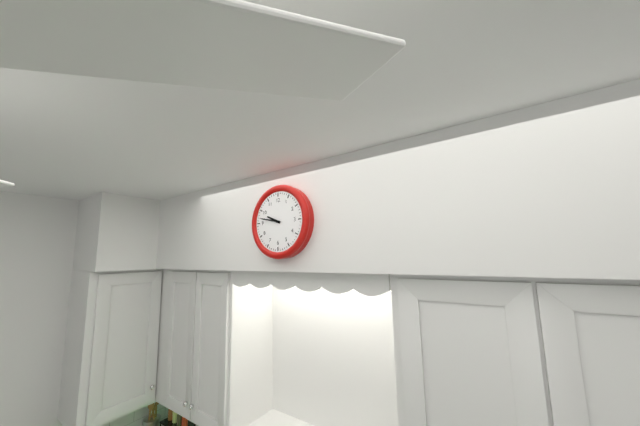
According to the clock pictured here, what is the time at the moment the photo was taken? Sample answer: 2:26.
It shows 9:47
